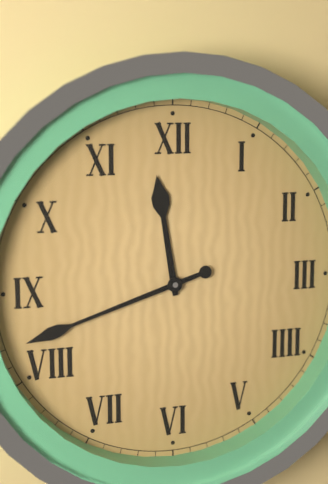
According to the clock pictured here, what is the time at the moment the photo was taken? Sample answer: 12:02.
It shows 11:42
